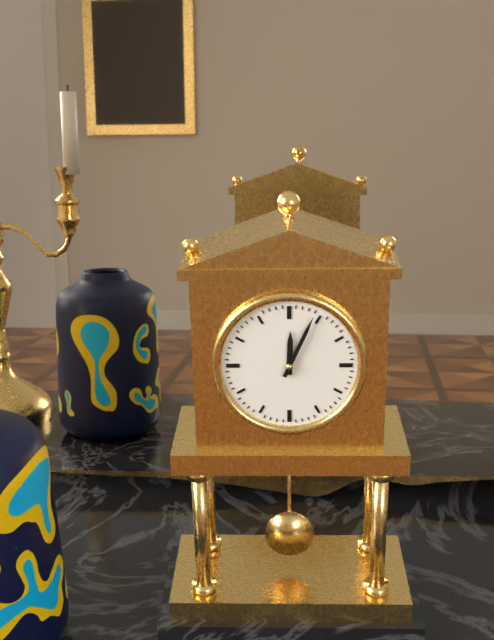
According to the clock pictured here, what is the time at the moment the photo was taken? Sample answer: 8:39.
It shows 12:04
